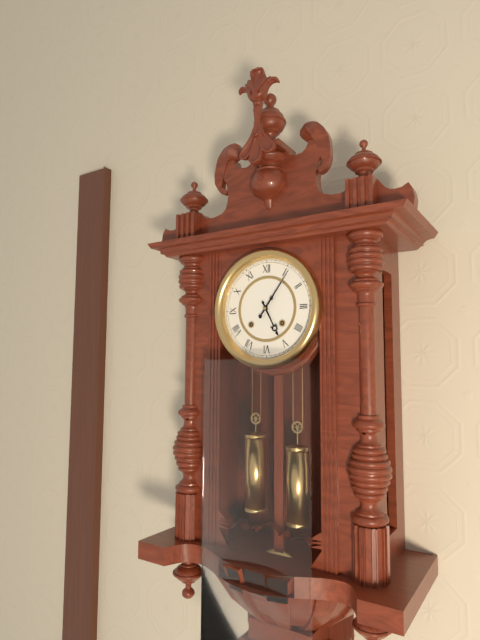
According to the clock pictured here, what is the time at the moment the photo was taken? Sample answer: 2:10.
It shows 5:06
